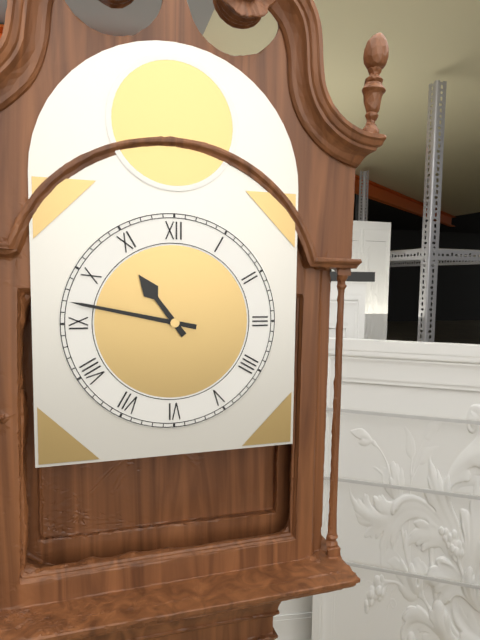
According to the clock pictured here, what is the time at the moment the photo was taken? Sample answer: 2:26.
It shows 10:47
